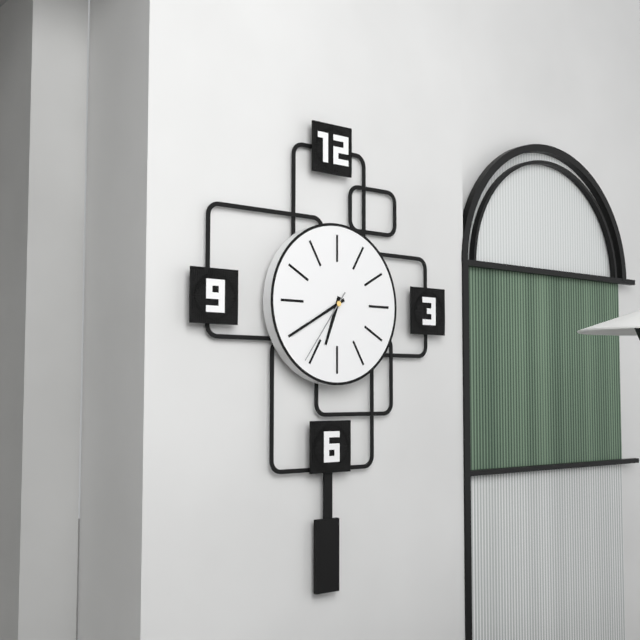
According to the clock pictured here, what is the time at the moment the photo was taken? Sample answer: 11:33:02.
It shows 6:40:36
